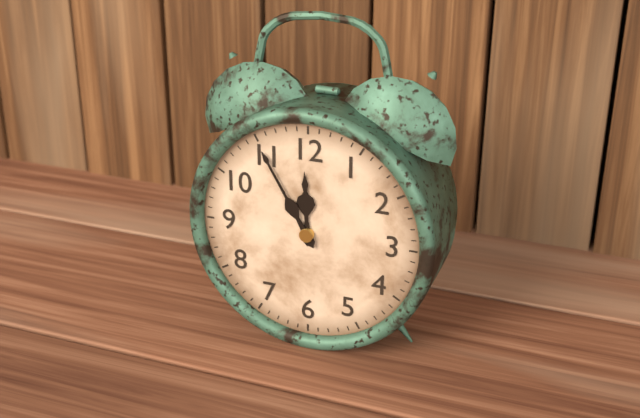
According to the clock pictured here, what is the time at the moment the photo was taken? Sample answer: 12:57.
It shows 11:55
